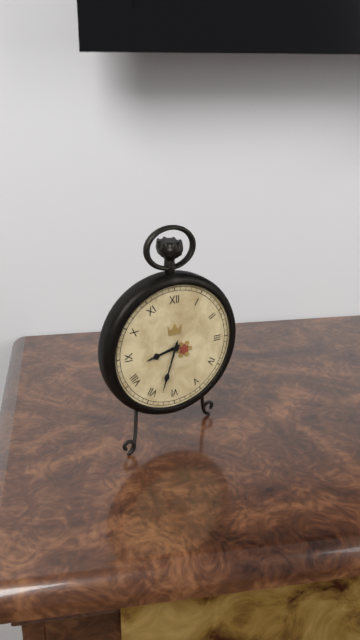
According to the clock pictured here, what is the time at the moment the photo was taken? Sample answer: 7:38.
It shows 8:33
